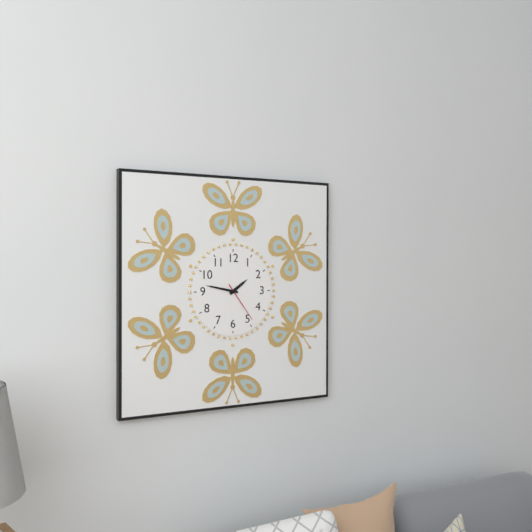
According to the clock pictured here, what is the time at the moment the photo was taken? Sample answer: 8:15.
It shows 1:47
